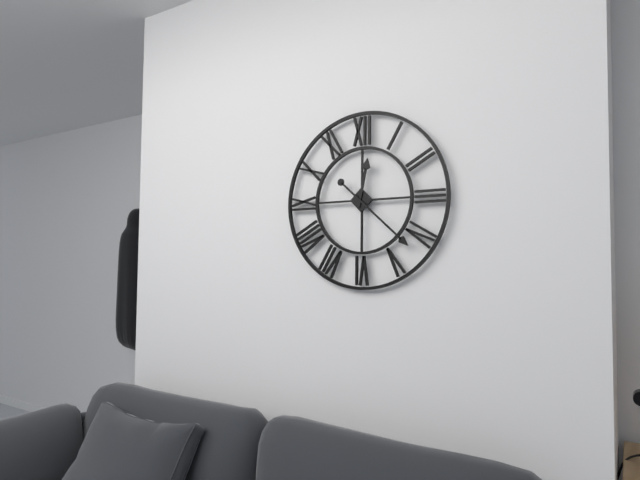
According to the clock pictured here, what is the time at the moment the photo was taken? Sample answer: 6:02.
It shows 12:22
